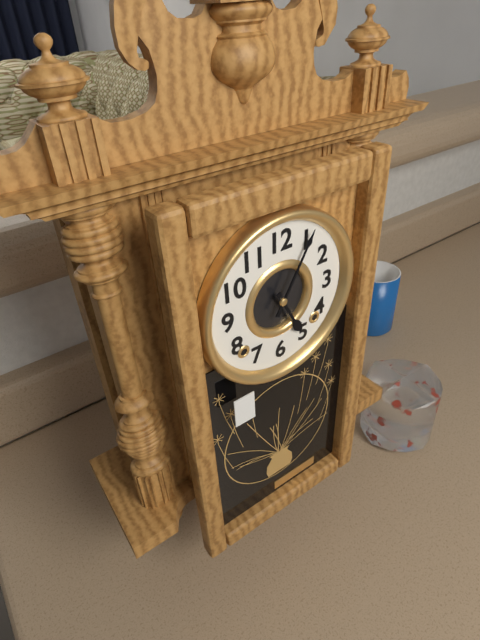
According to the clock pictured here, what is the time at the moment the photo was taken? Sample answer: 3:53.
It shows 5:05
